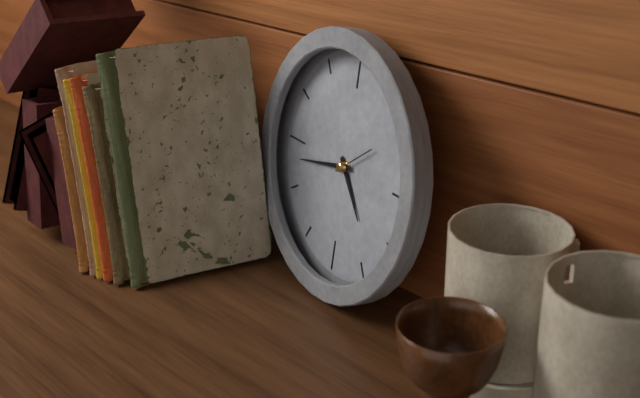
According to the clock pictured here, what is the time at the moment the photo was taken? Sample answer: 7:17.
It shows 4:43
